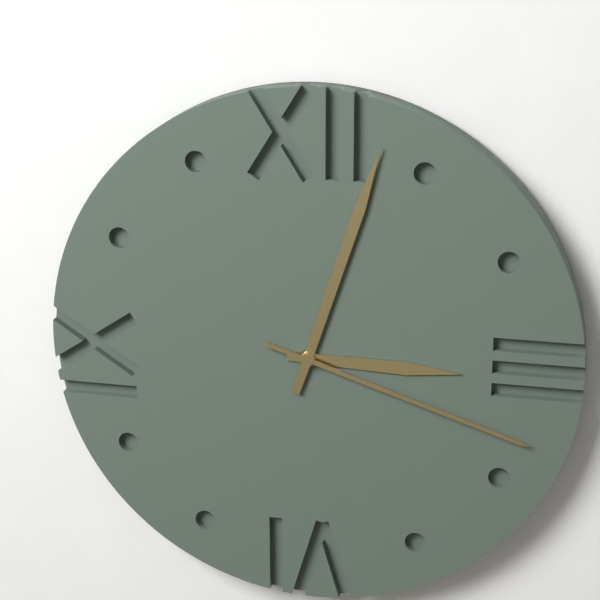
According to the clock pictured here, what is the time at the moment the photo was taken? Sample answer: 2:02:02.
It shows 3:03:18
